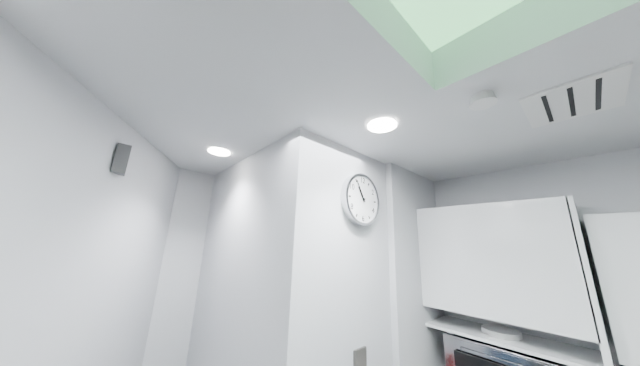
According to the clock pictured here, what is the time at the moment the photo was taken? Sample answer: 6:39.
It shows 10:55
